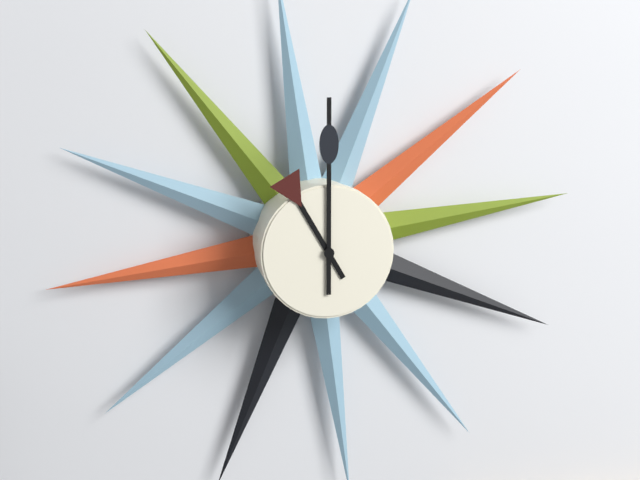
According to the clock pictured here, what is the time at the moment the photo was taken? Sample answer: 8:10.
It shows 11:00
